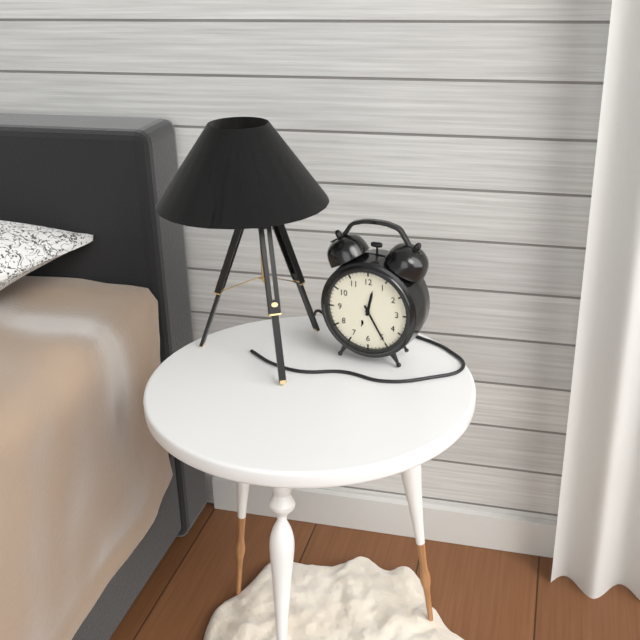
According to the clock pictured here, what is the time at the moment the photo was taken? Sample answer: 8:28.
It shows 12:25
